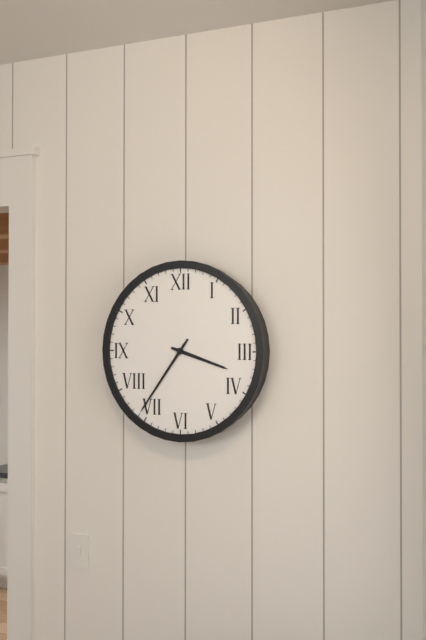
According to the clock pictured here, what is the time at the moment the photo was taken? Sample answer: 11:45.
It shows 3:36
